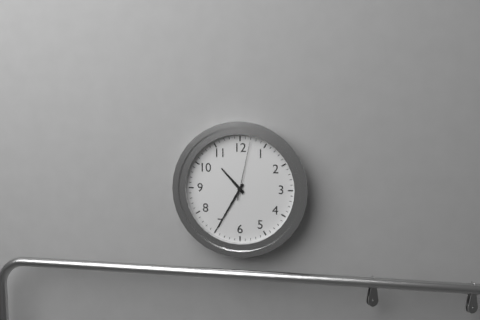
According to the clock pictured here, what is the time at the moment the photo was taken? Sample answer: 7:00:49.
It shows 10:35:02
